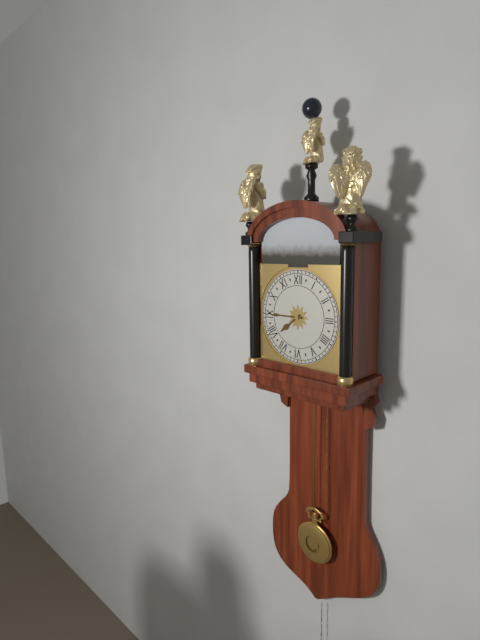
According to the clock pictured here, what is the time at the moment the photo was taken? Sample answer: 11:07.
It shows 7:45
